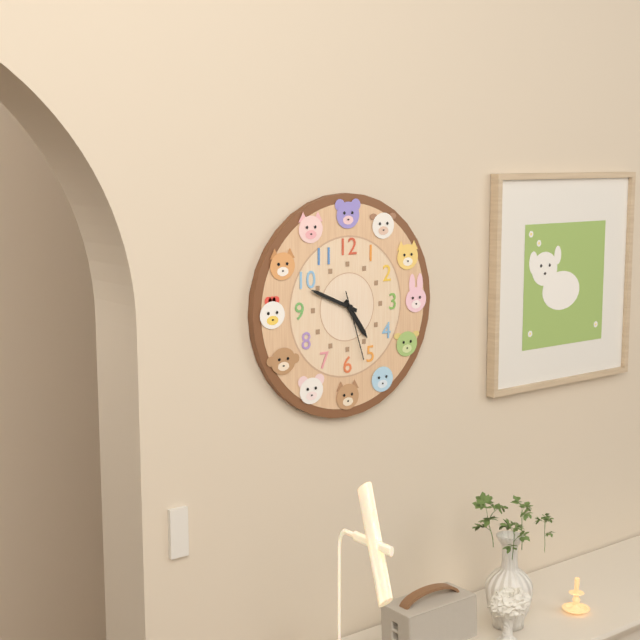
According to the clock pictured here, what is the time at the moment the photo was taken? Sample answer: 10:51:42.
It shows 4:49:27
